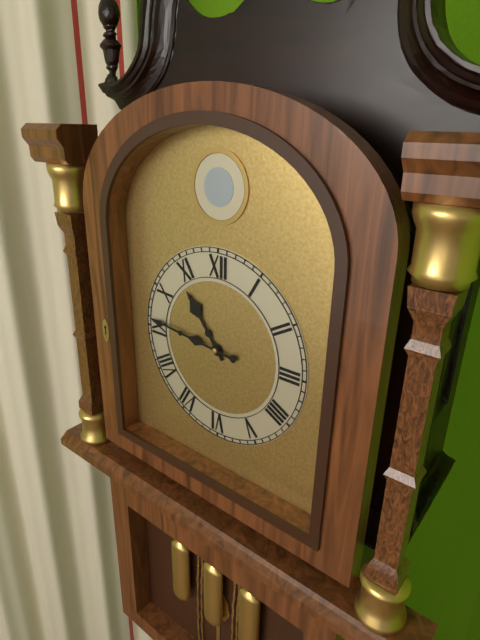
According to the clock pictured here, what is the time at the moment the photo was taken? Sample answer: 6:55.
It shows 10:46
